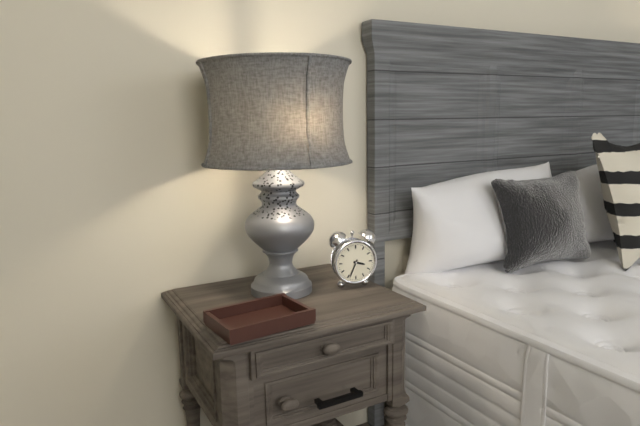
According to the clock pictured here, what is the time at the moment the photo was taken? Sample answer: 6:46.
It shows 3:34
